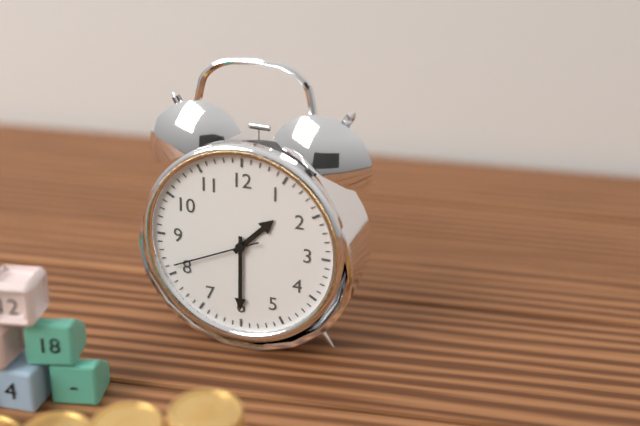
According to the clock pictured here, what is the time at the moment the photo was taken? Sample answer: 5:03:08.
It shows 1:30:41
